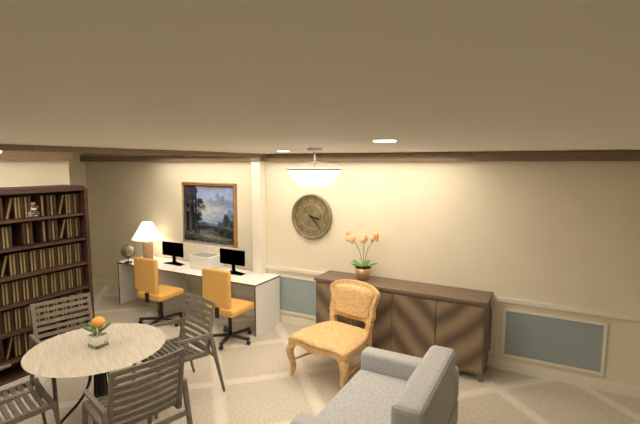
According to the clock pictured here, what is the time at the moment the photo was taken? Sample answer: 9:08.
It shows 3:23
